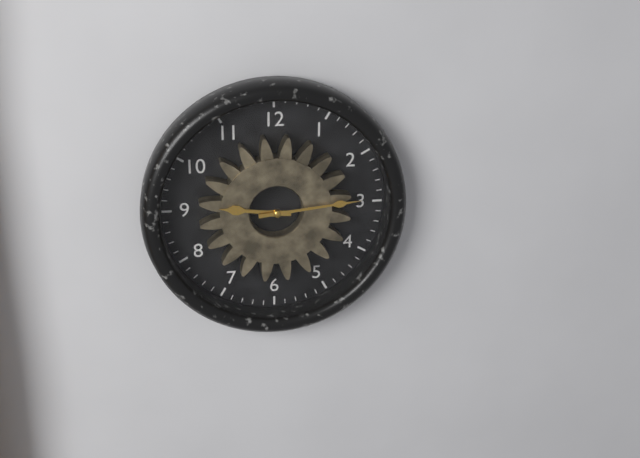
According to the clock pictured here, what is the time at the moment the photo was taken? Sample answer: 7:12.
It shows 9:14
